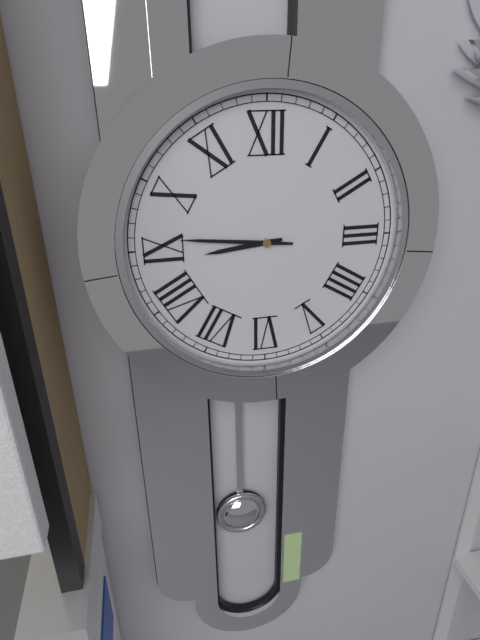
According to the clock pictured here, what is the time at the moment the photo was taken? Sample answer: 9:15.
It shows 8:46
